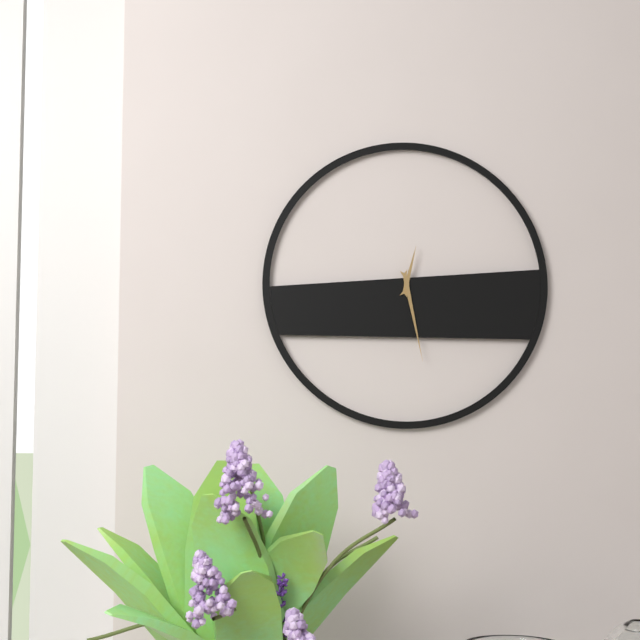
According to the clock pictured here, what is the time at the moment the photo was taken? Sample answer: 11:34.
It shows 12:28
